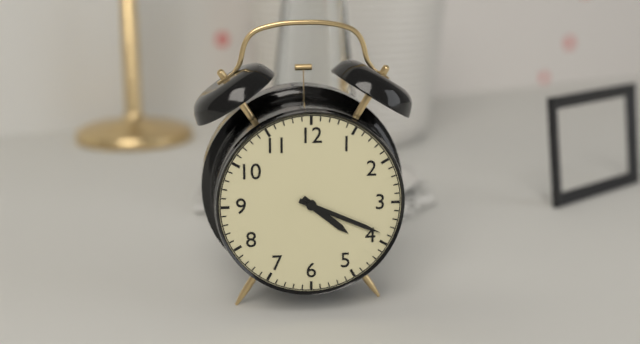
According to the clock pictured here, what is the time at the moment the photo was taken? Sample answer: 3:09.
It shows 4:19
